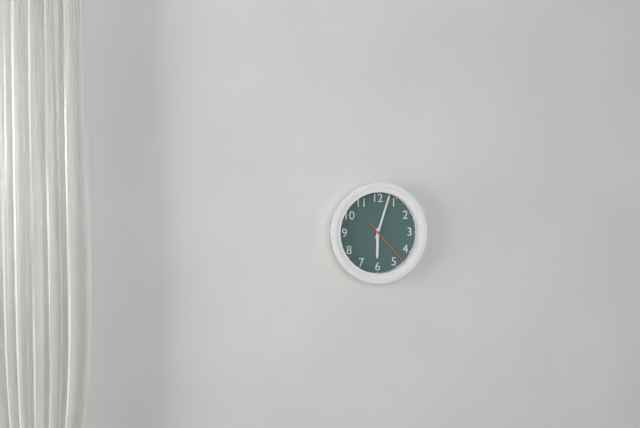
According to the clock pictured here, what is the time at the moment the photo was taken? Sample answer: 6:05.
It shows 6:03
